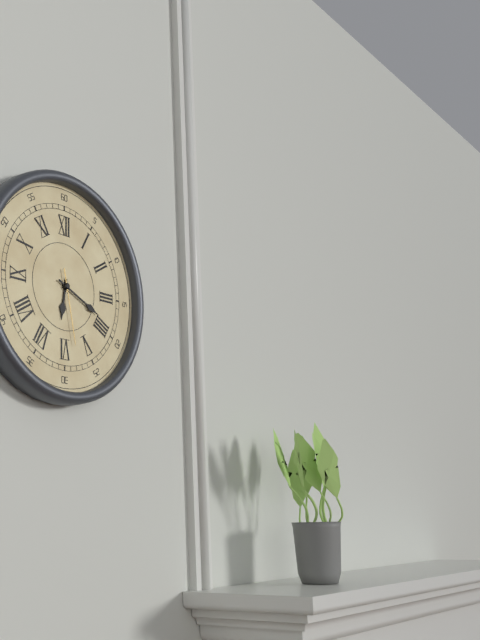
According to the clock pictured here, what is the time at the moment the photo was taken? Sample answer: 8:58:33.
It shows 6:19:28
